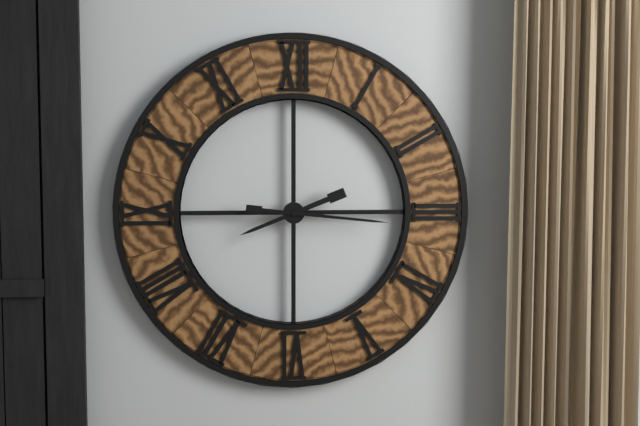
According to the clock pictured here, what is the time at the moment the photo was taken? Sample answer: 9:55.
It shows 8:16
